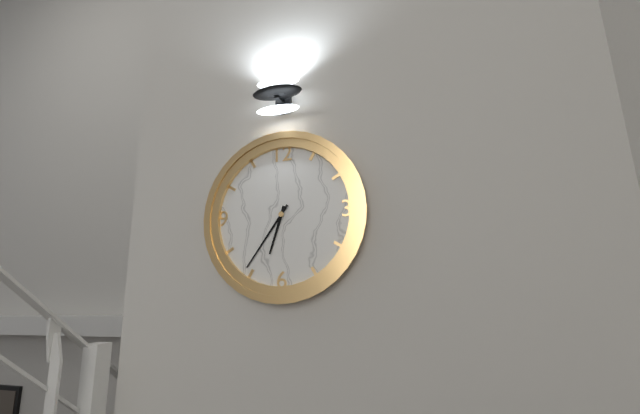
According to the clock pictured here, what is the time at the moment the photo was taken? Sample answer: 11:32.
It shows 6:36
